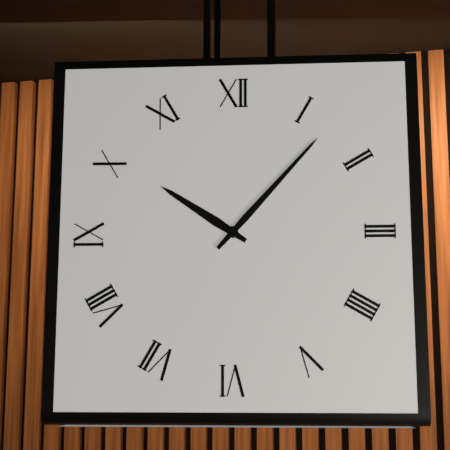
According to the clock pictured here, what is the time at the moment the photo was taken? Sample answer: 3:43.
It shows 10:07
